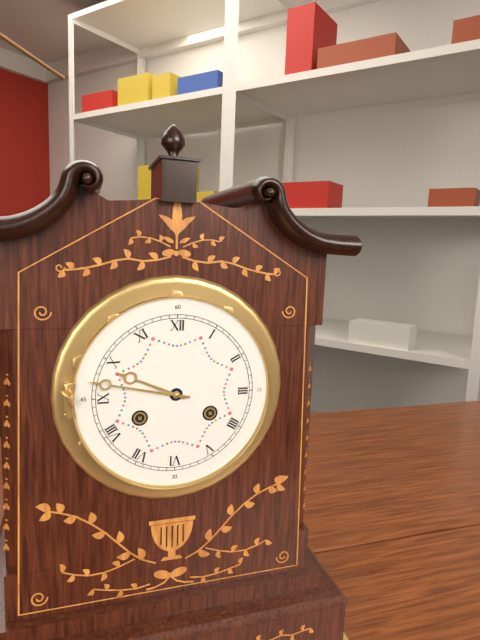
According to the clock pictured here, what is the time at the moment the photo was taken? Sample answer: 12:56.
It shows 9:47
